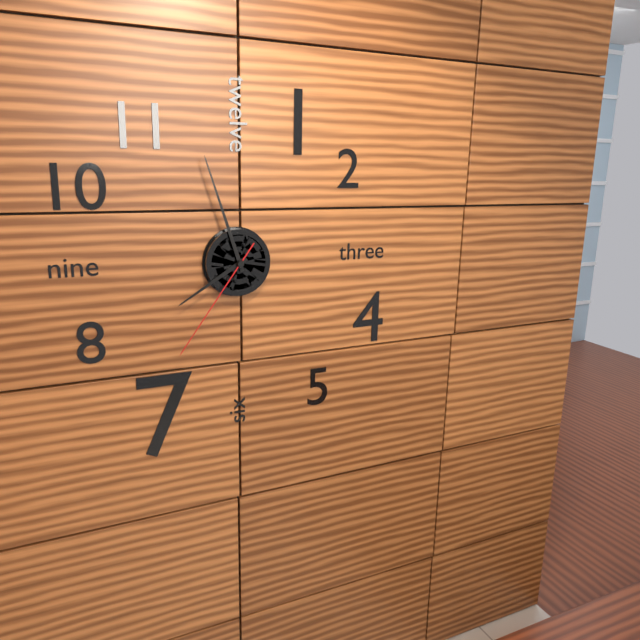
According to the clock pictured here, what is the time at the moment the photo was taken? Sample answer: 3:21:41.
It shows 7:57:36
